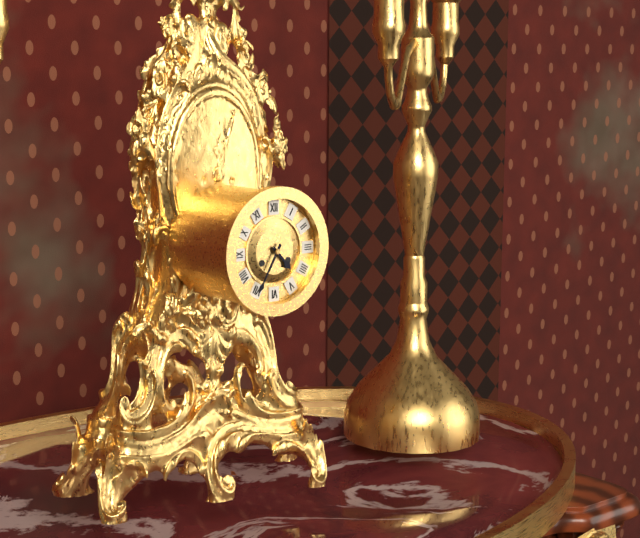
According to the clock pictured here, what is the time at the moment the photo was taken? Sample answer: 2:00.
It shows 4:35
